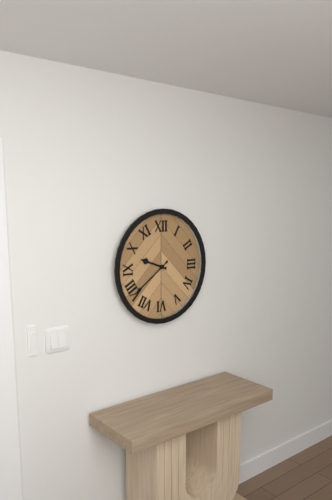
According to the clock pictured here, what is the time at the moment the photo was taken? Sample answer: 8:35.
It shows 9:39
